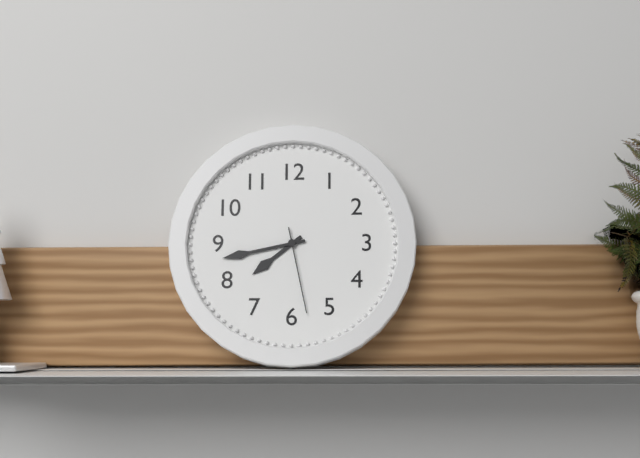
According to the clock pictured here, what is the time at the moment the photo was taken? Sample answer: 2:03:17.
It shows 7:43:28
